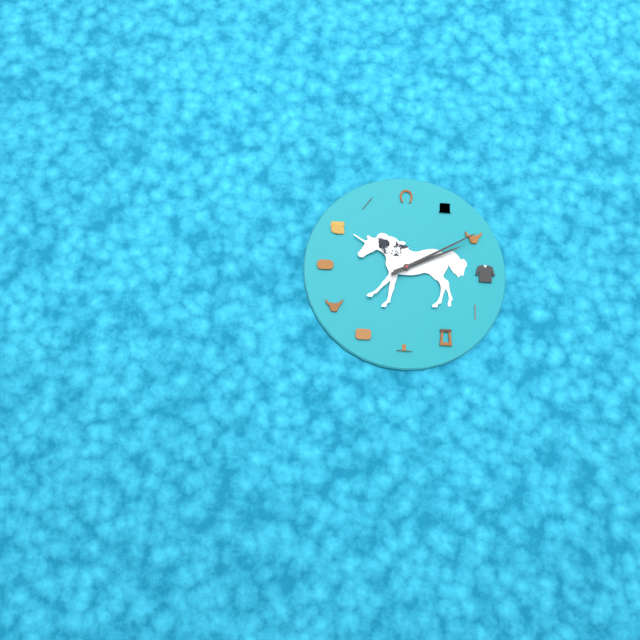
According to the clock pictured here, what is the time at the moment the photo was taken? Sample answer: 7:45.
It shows 2:10
